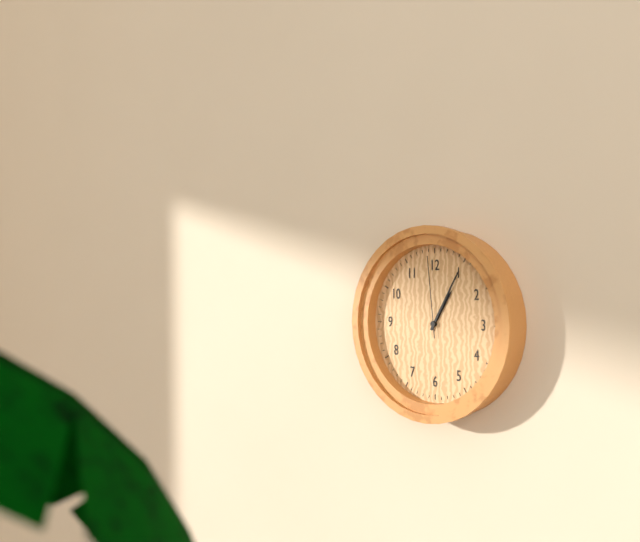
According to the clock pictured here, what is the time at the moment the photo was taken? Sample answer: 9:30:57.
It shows 1:05:59
